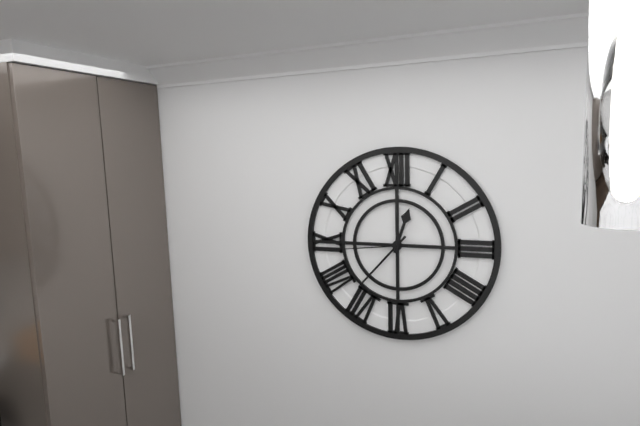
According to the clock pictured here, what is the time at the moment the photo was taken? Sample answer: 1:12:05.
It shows 12:37:44
